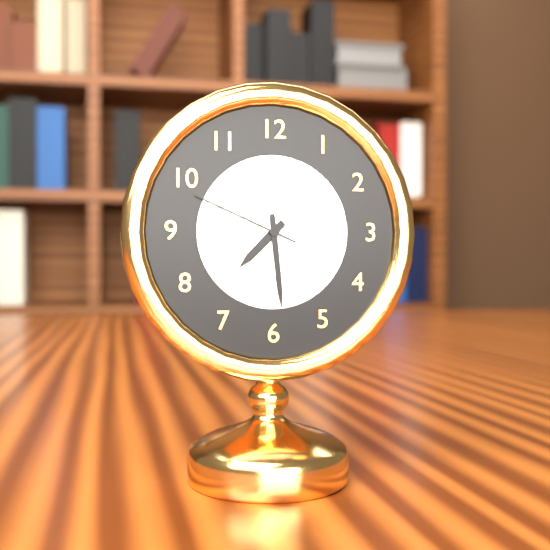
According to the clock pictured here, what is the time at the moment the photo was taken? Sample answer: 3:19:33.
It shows 7:29:49
